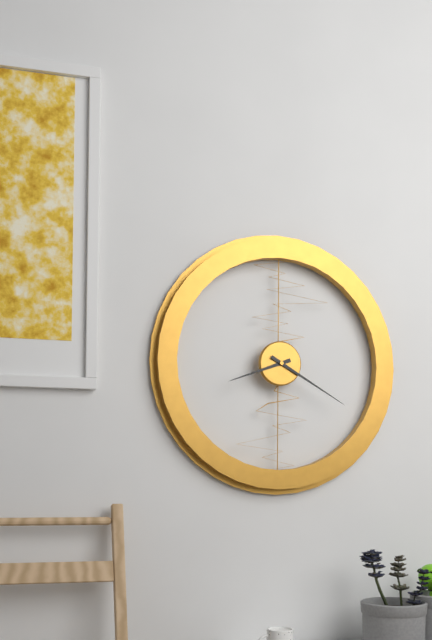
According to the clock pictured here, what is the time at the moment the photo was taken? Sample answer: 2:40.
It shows 8:20
